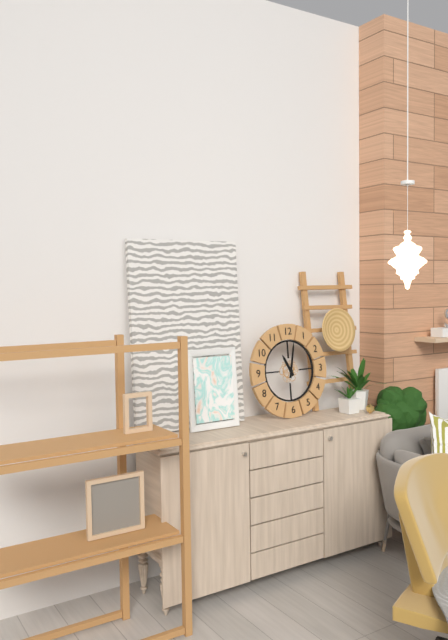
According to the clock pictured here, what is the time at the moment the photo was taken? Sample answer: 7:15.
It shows 11:02
